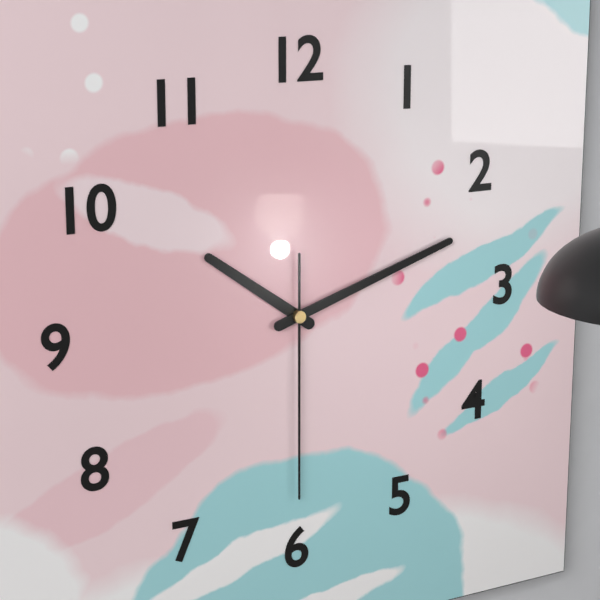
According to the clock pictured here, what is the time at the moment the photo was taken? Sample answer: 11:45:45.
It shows 10:12:30
